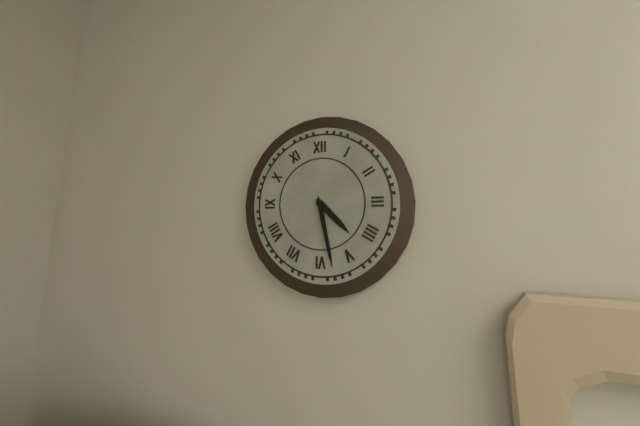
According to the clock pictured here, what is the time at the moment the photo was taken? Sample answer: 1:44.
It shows 4:28
